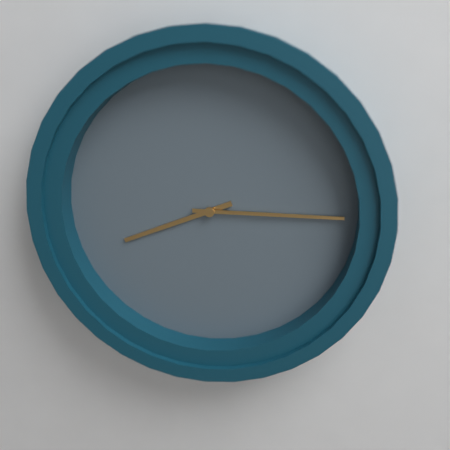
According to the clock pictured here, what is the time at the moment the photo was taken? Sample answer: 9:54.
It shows 8:15
